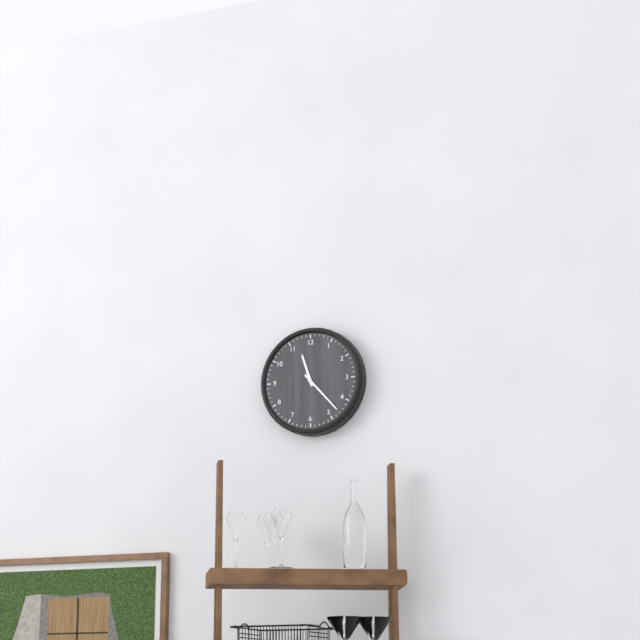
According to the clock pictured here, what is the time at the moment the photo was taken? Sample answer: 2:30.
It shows 11:23
